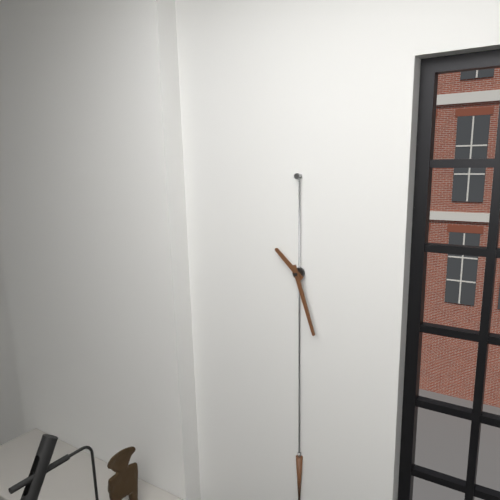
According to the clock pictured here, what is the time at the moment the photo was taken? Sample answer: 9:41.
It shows 10:27
